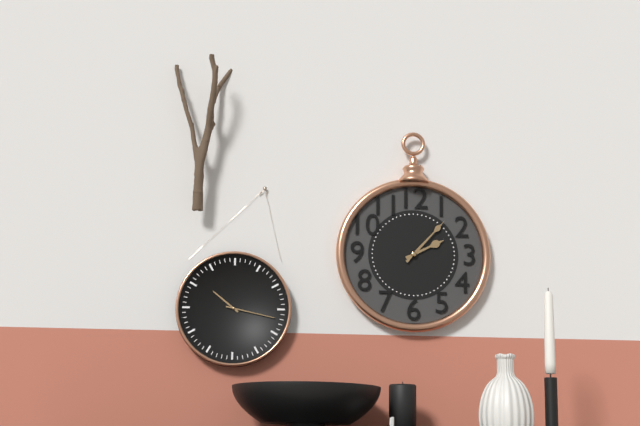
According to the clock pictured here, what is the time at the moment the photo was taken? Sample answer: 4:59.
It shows 2:07
